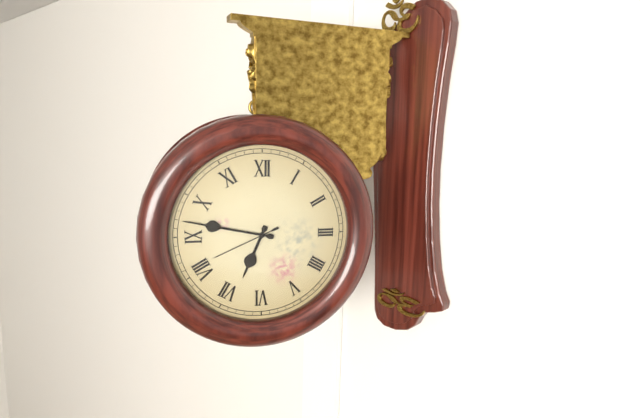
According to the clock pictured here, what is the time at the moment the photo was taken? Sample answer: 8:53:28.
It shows 6:47:41
